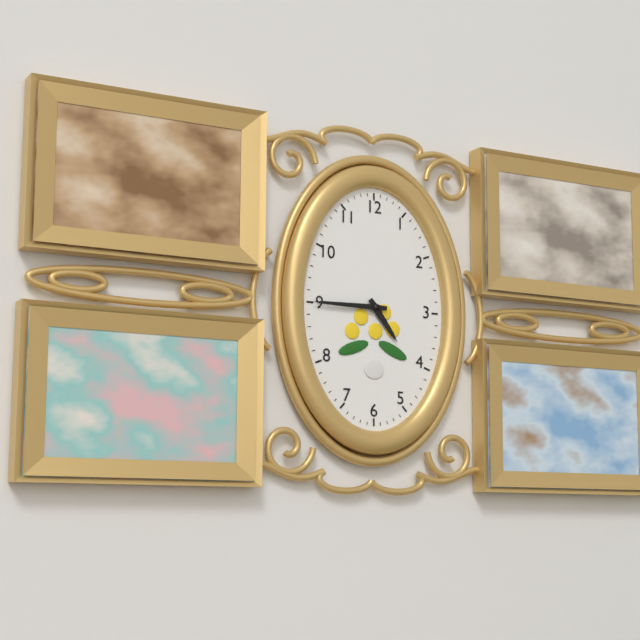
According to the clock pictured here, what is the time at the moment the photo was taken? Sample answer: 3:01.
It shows 4:45
